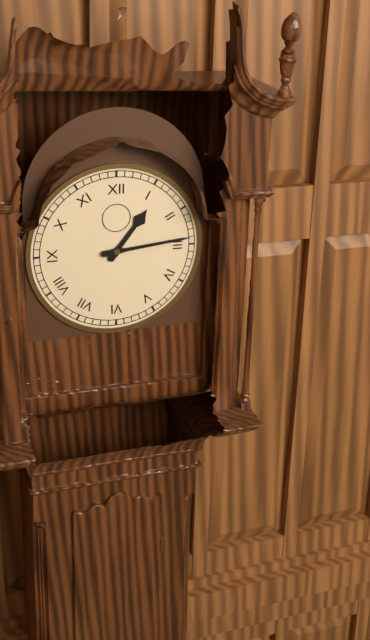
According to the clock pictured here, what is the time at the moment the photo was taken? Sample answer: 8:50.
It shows 1:14
